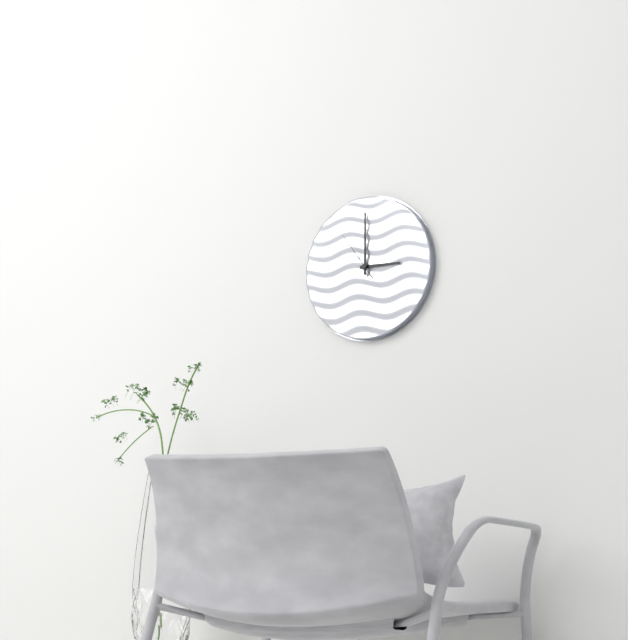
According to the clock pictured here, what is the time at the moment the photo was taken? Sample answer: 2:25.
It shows 3:00
